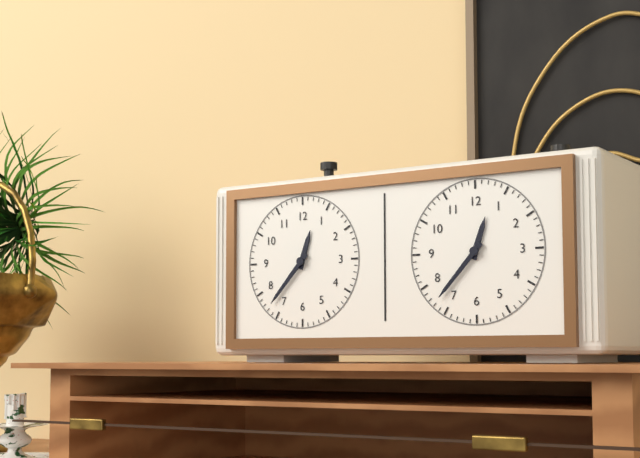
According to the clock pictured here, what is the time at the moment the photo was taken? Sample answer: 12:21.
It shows 12:37
